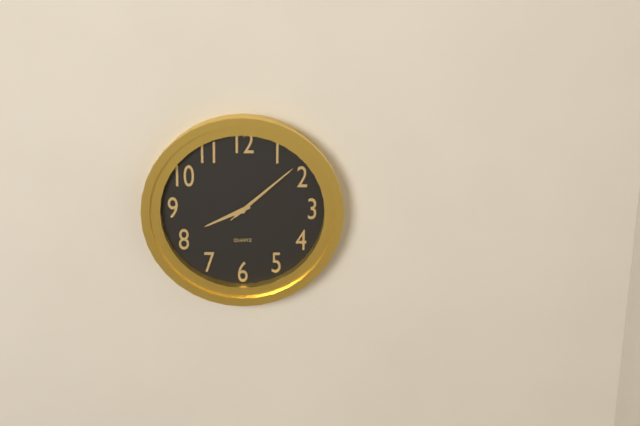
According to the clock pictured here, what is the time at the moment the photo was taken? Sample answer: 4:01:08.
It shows 8:08:08
